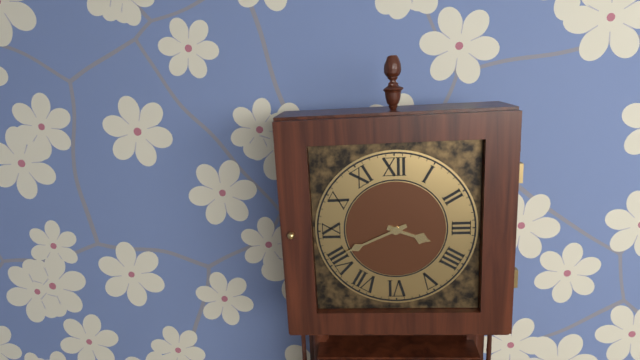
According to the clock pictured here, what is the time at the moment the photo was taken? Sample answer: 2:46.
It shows 3:41
